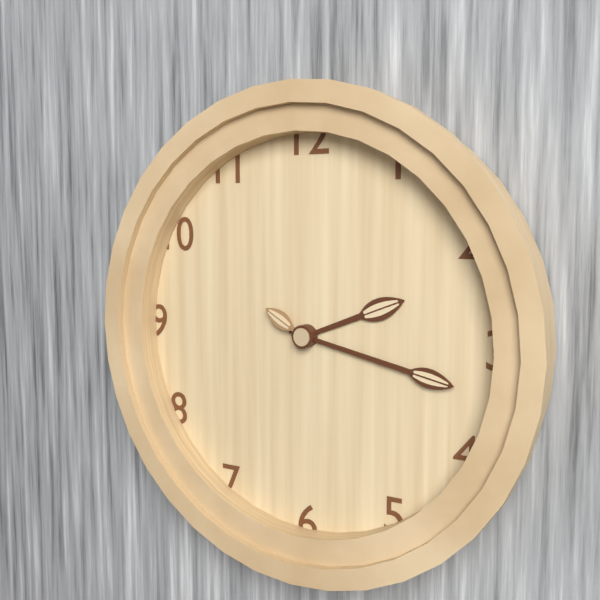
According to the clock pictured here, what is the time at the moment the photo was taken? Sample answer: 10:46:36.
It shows 2:17:50
